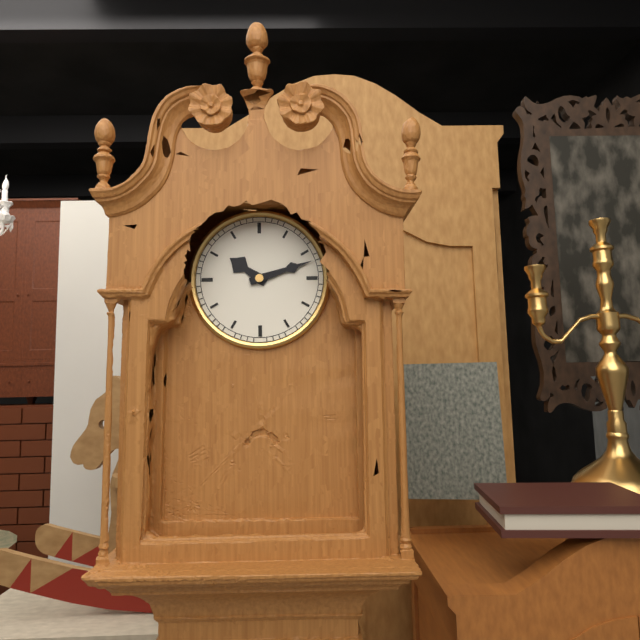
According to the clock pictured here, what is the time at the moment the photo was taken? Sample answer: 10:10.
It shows 10:12
